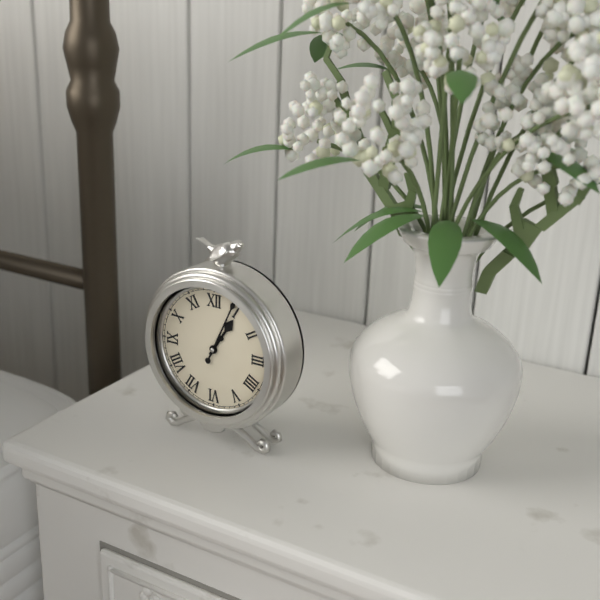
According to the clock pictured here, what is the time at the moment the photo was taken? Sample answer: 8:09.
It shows 1:04
